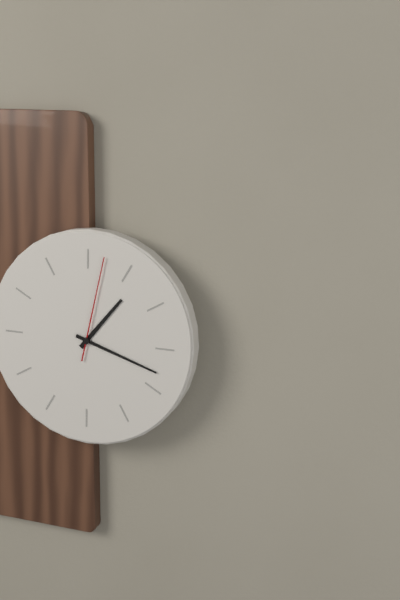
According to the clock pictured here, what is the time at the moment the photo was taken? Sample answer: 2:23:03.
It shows 1:18:02
